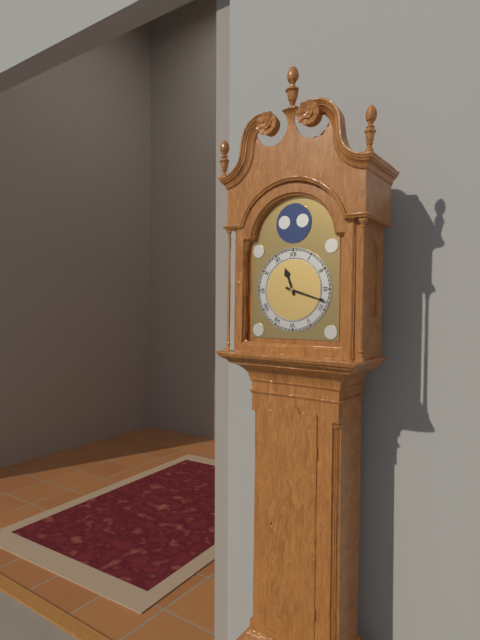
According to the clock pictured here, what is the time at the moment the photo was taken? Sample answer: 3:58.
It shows 11:18
